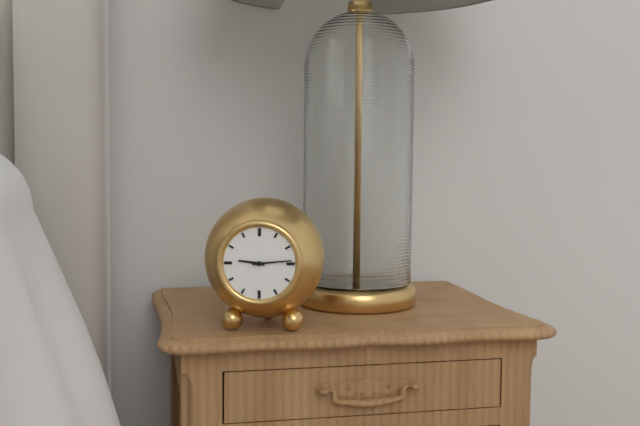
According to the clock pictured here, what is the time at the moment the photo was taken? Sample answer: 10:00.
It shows 9:14
